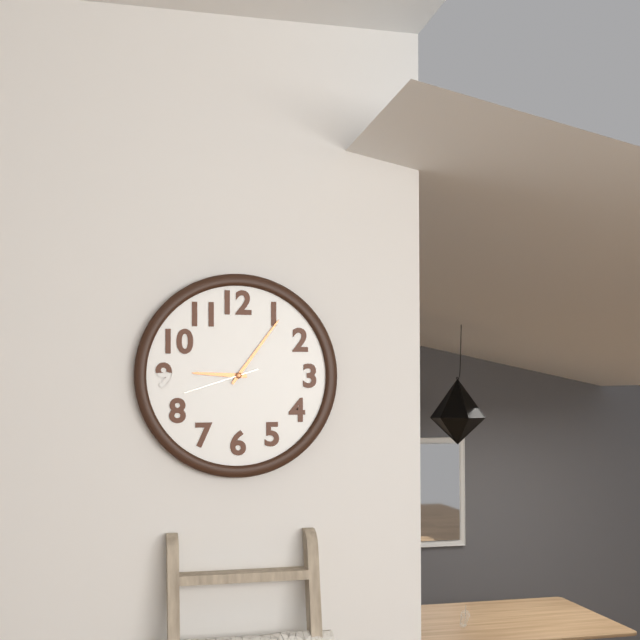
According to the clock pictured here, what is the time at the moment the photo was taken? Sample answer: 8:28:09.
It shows 9:06:42
